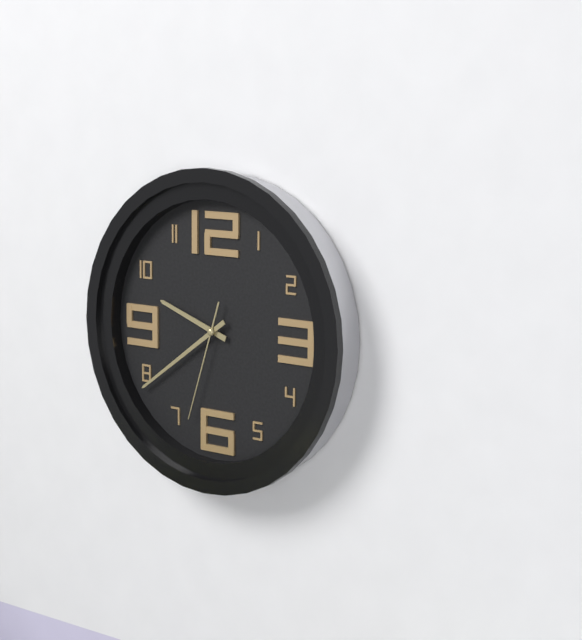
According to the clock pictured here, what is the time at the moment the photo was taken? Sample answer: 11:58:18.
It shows 9:39:33
